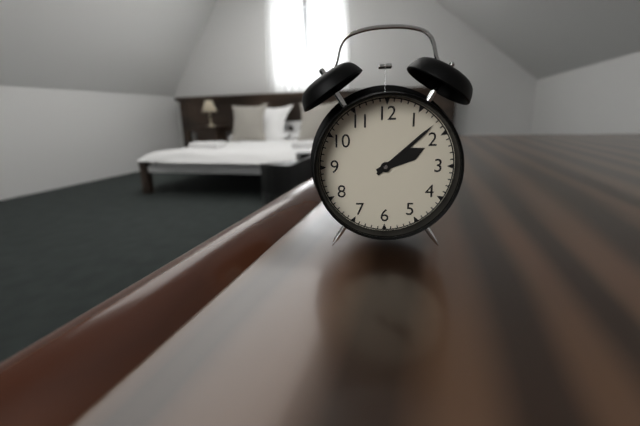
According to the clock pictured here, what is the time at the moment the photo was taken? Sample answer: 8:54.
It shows 2:08
